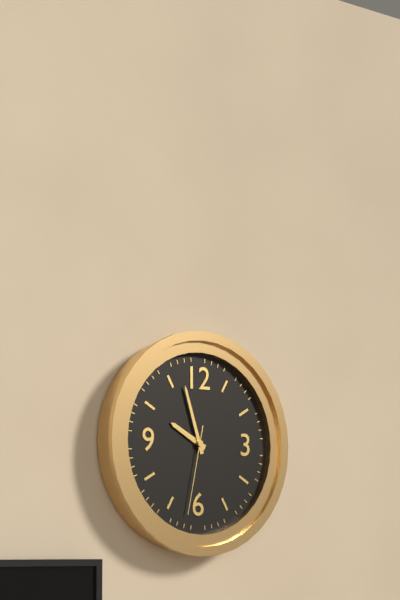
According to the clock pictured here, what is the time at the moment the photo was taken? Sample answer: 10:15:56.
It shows 9:57:32
